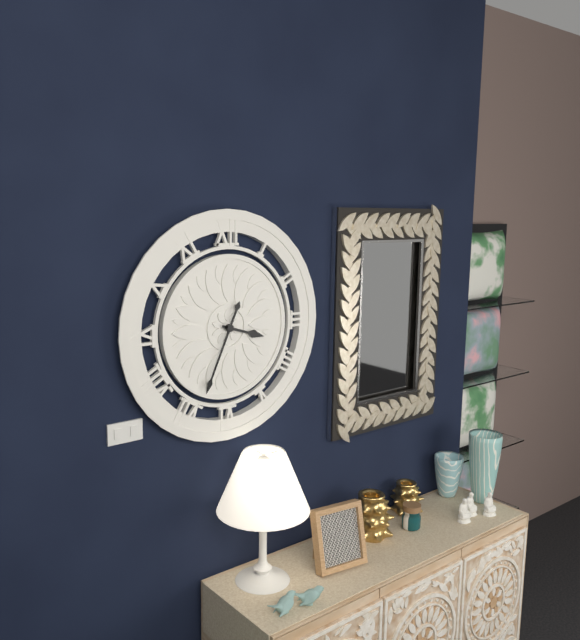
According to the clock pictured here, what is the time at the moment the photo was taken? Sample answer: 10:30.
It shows 3:34
